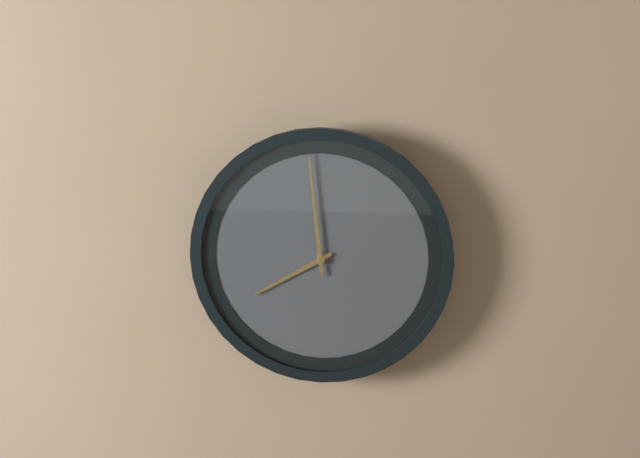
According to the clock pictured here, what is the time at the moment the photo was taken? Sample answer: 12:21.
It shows 7:59
